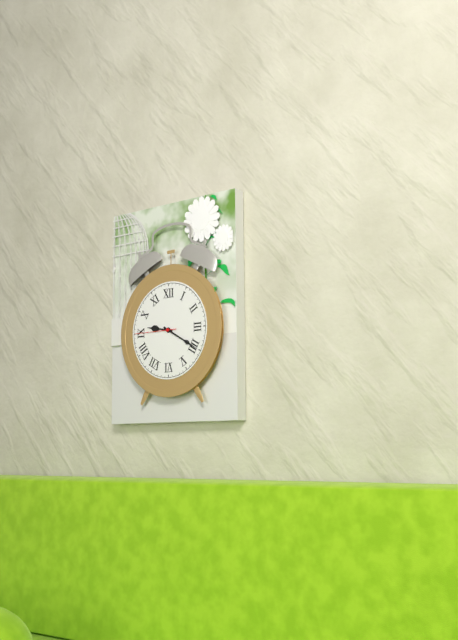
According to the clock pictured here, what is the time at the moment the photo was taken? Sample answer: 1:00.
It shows 9:20
